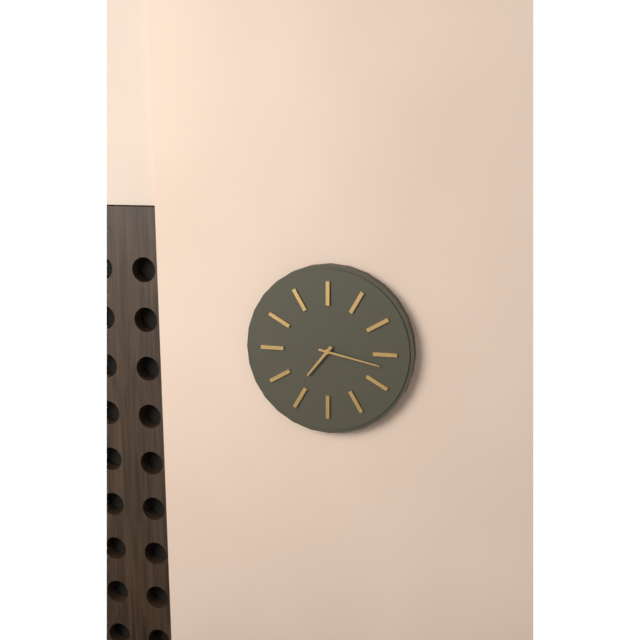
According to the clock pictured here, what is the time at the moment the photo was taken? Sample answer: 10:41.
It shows 7:17
